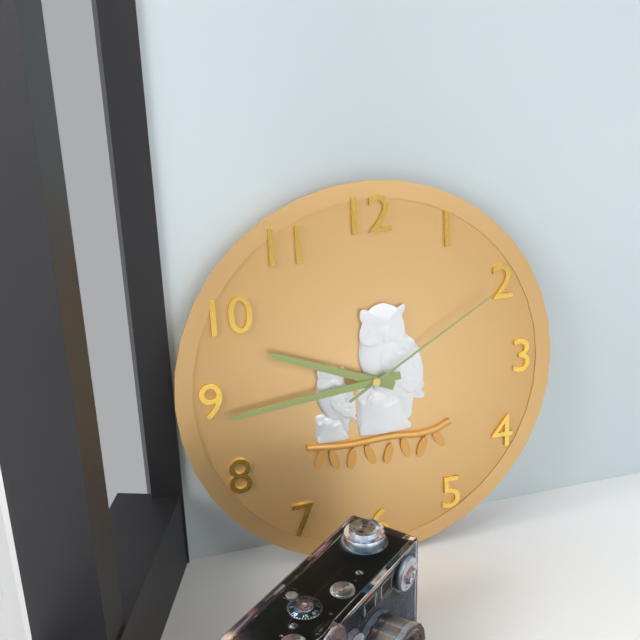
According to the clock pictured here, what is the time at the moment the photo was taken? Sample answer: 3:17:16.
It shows 9:44:10
